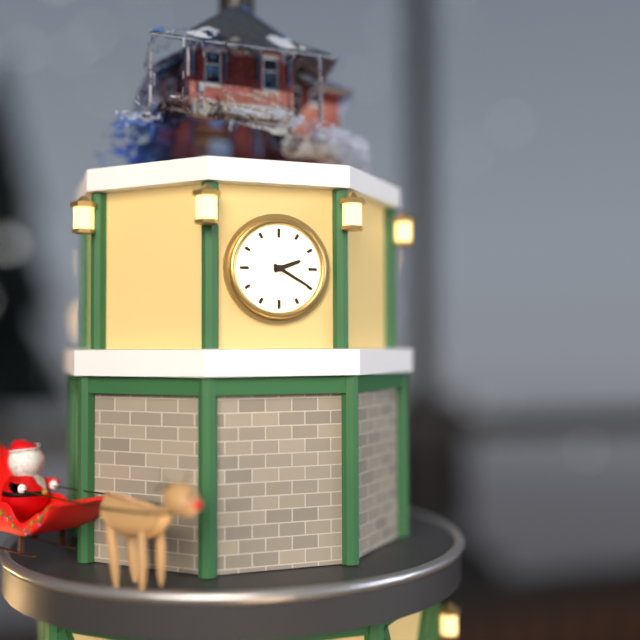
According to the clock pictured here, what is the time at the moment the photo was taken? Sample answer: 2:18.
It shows 2:20
